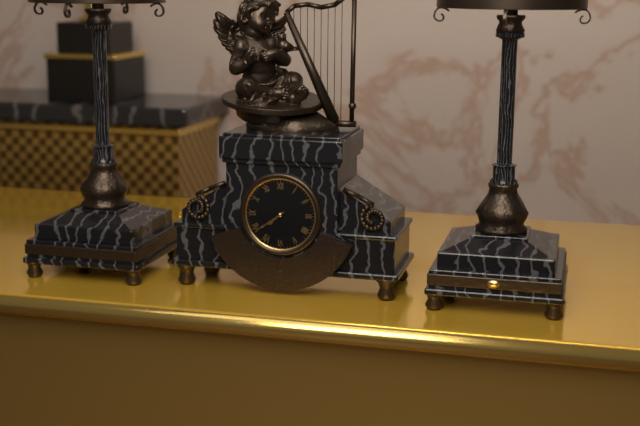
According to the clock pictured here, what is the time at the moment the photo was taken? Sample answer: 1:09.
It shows 7:39
